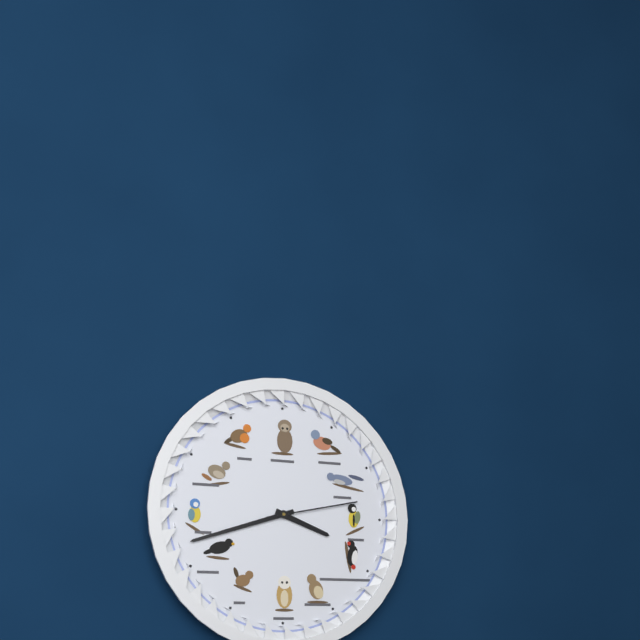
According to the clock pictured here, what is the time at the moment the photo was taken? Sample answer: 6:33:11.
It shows 3:42:13
